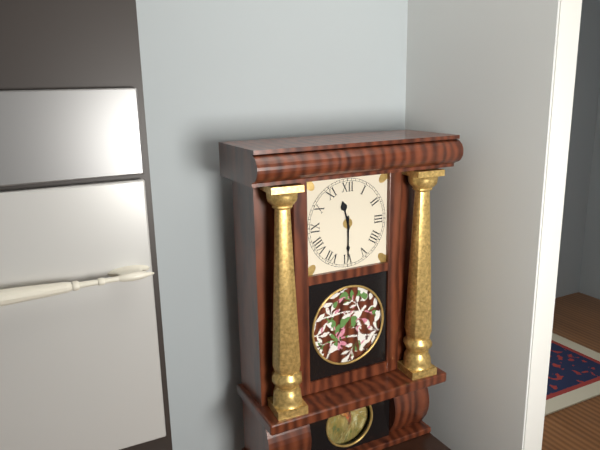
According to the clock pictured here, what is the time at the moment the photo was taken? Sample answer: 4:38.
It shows 11:30
